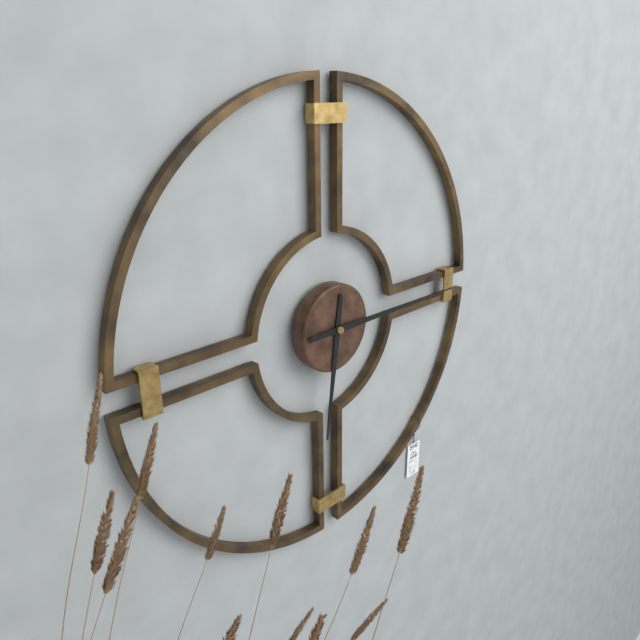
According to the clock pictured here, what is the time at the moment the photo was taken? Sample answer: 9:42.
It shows 6:15
